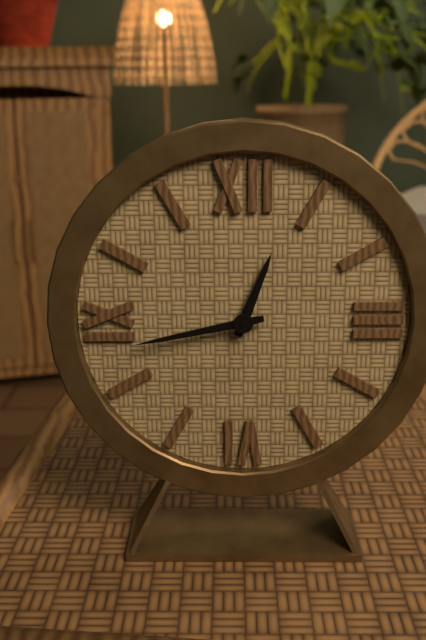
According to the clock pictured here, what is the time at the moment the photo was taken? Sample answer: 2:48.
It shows 12:43
